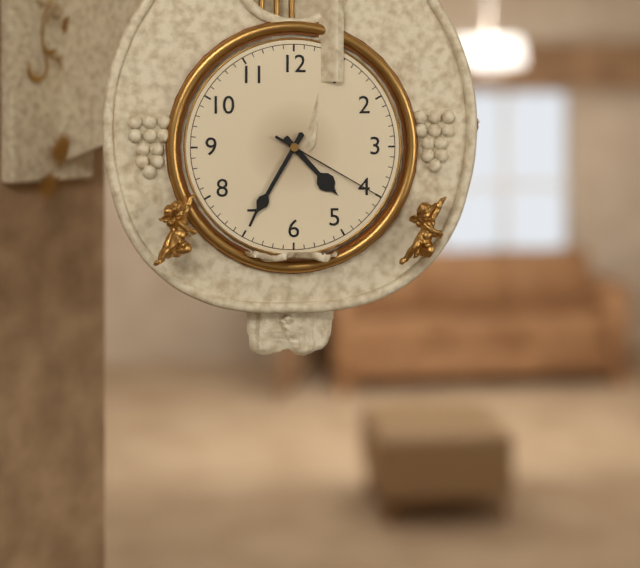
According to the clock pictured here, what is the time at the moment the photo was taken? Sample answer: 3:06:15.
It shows 4:35:20
